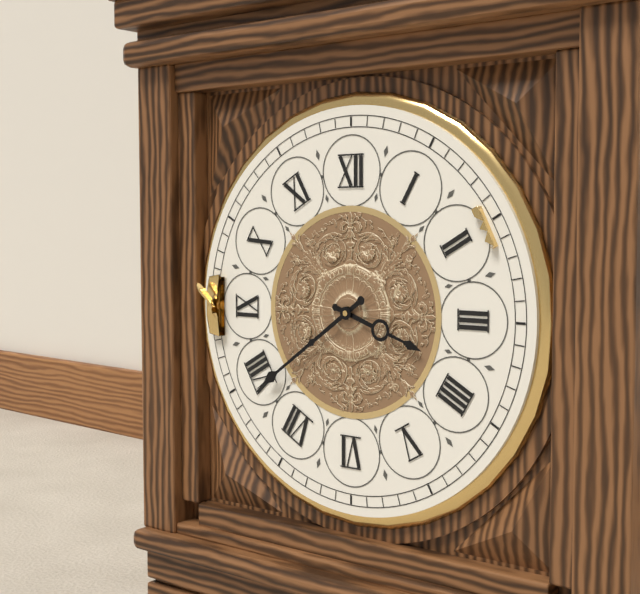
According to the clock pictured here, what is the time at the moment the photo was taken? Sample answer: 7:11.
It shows 3:39
